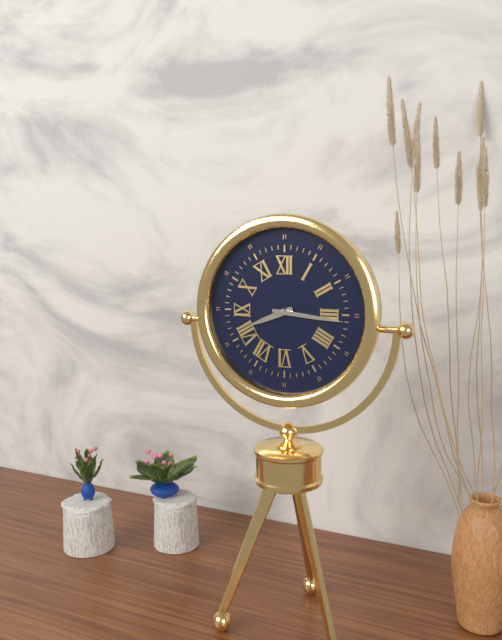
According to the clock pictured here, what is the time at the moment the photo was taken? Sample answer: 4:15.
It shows 8:16
